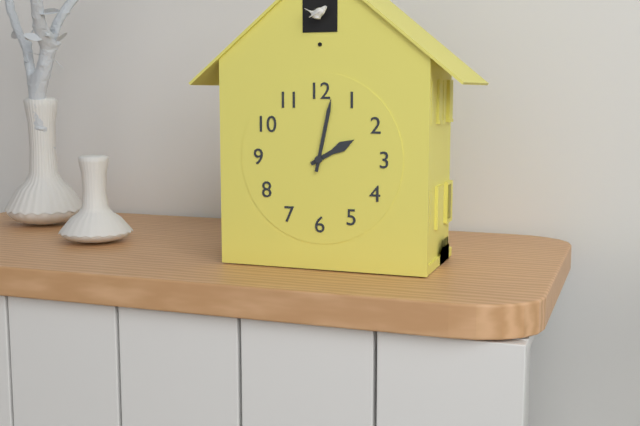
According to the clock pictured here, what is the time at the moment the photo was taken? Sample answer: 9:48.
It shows 2:02
